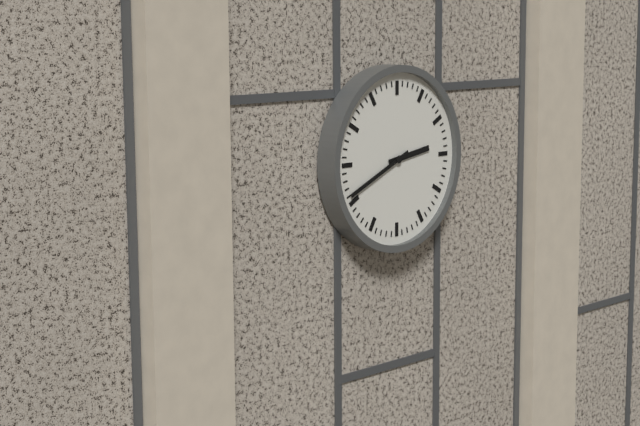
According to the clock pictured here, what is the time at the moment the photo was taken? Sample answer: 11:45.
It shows 2:41
